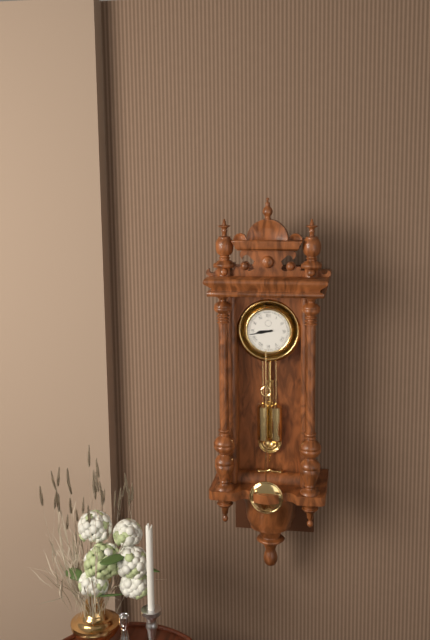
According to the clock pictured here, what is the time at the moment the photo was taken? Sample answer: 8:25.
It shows 8:43
